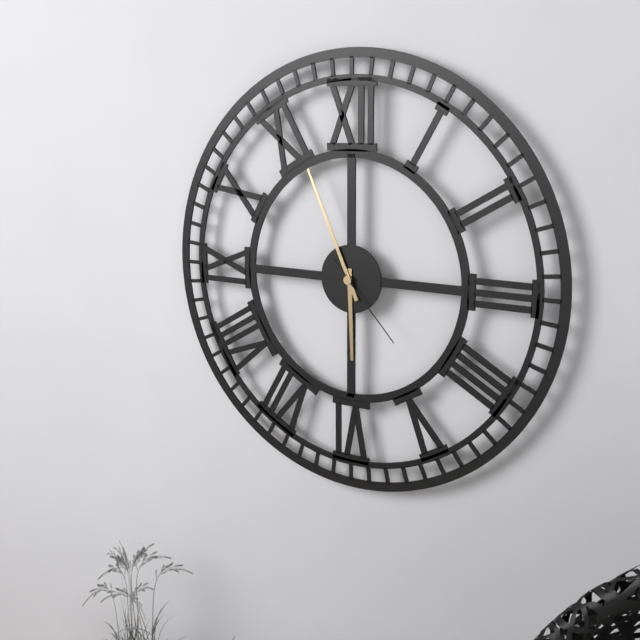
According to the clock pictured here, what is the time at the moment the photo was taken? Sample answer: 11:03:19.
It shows 5:56:23
